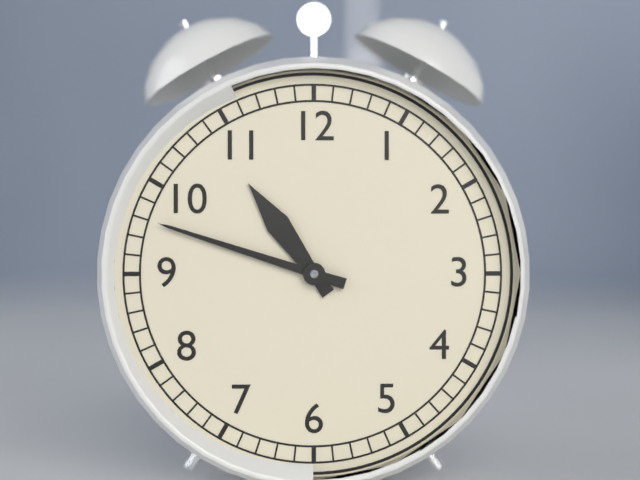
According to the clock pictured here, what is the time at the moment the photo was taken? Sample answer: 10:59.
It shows 10:48
